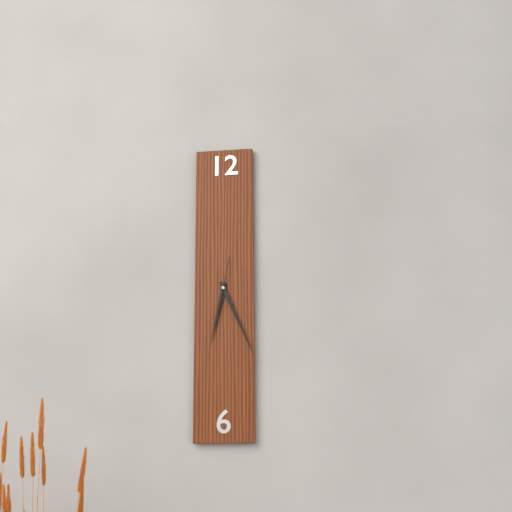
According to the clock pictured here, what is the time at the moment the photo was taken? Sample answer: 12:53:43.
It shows 6:26:32
